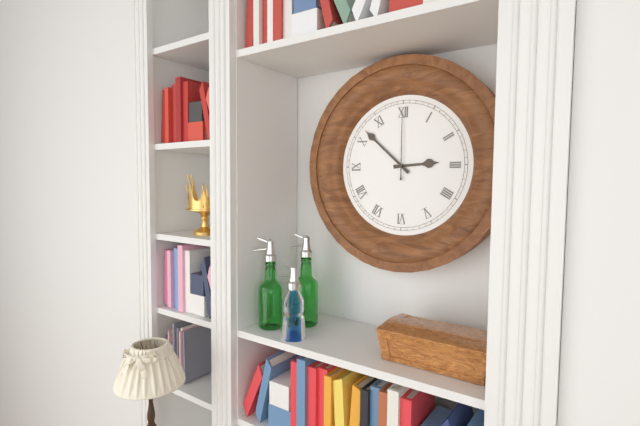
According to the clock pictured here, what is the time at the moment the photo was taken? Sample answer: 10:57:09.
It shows 2:52:00
